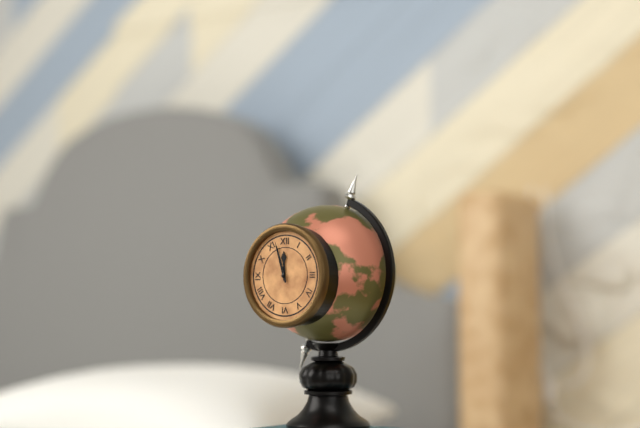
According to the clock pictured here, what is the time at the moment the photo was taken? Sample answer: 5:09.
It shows 11:57
